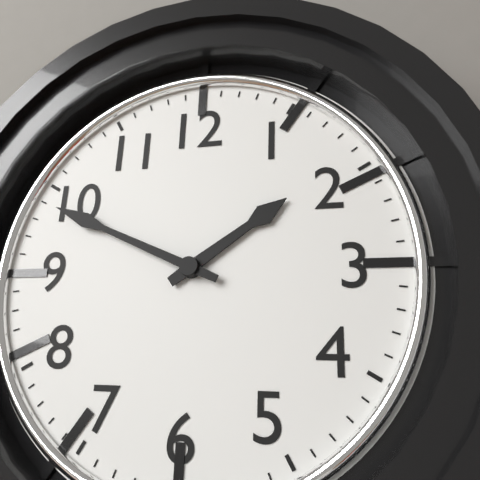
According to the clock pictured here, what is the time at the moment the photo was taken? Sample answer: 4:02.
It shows 1:49
